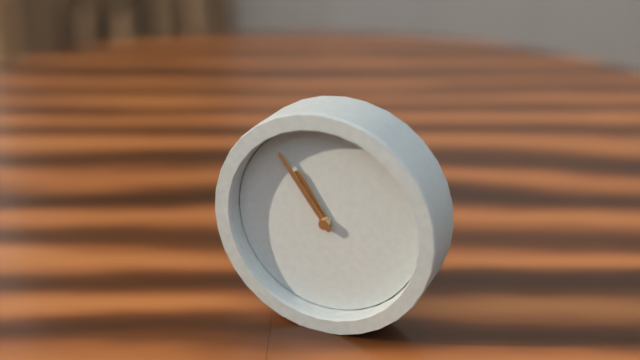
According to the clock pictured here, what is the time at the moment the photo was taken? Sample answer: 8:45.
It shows 10:54
